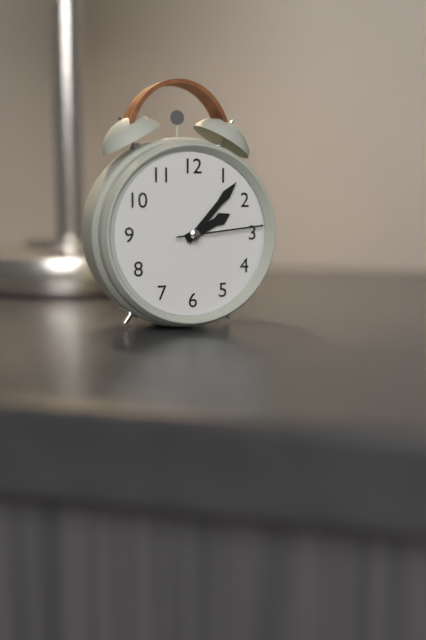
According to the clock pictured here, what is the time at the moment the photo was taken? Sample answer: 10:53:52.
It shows 2:07:14
